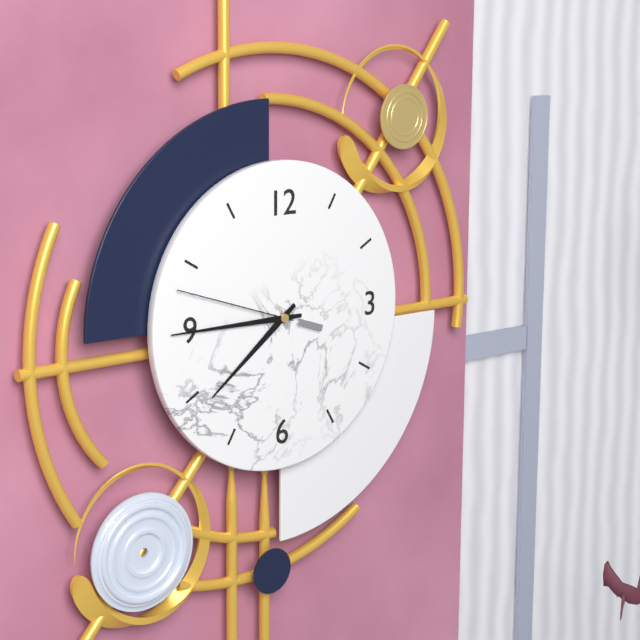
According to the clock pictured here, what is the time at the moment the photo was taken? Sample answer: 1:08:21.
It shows 7:45:48
